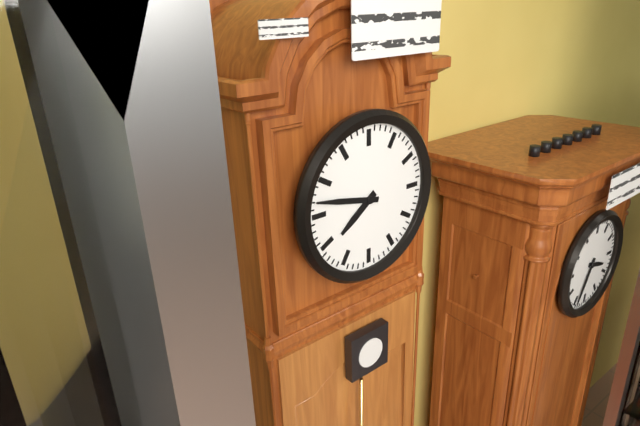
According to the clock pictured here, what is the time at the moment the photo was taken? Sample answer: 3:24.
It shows 7:47
